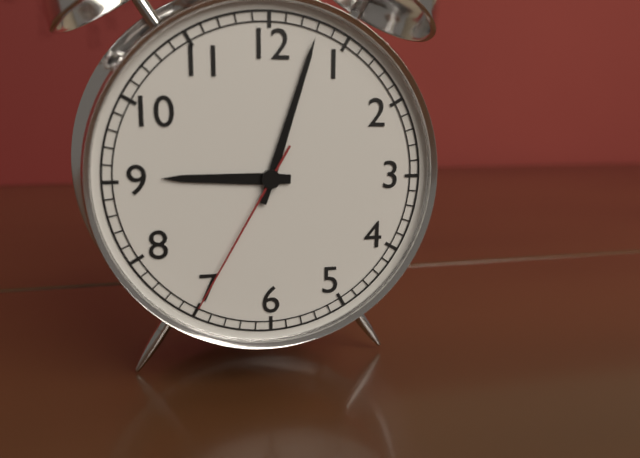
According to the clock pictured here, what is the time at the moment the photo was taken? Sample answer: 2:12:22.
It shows 9:03:35
